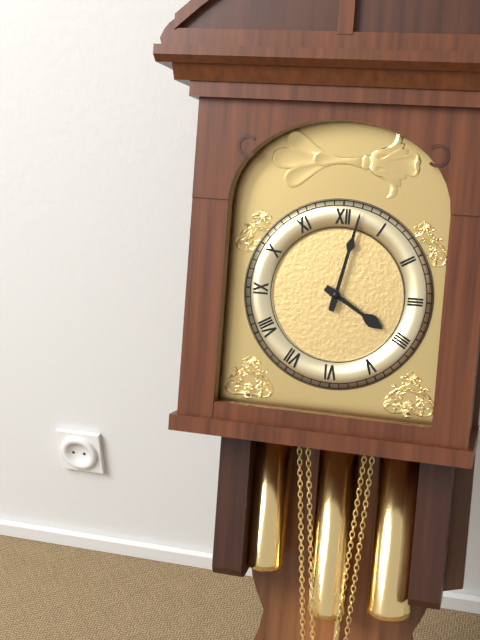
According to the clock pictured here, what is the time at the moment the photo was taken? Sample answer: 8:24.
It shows 4:02
